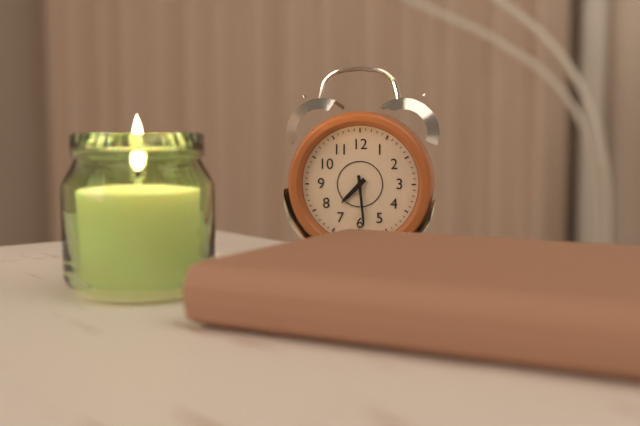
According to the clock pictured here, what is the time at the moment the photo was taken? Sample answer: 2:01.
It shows 7:29
